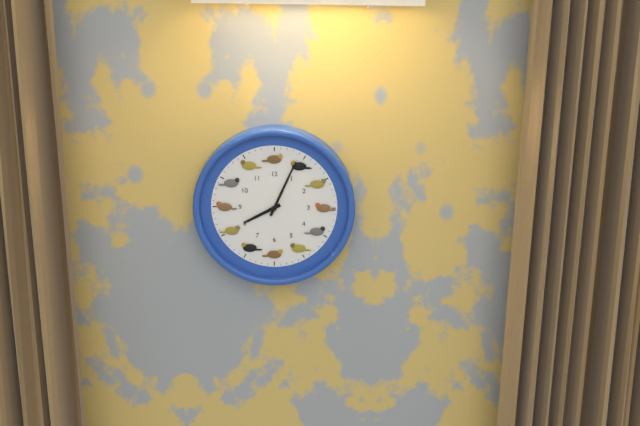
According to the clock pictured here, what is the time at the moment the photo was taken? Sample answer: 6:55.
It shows 8:04
